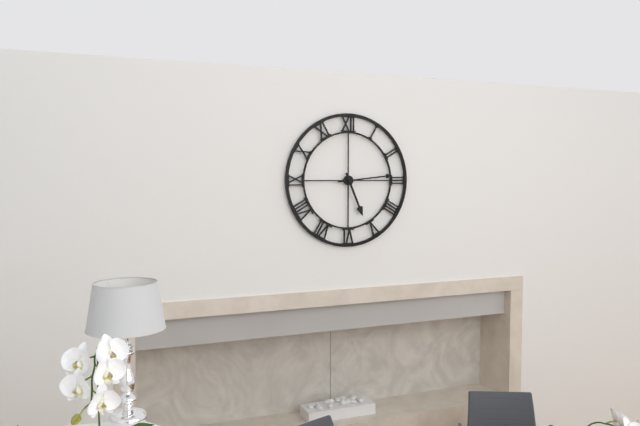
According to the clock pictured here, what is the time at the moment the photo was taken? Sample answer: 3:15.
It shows 5:14
